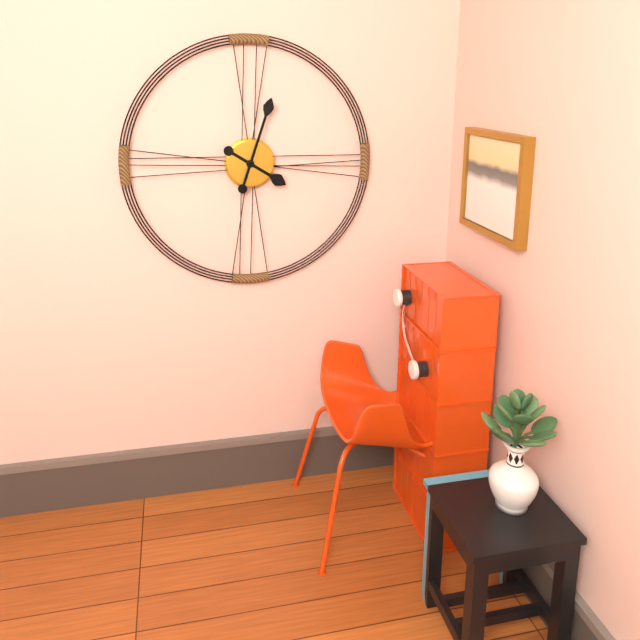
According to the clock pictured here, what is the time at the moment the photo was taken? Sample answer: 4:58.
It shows 4:03
